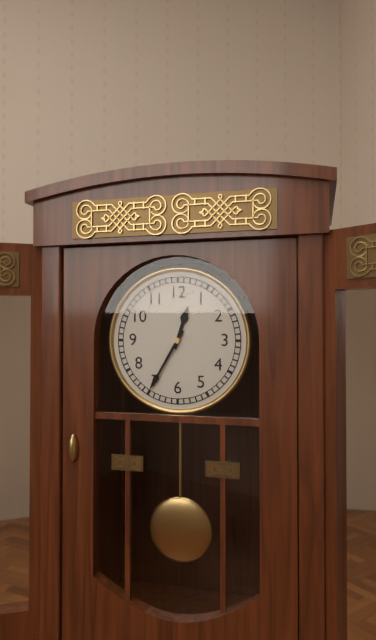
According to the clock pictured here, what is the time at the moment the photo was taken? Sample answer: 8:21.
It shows 12:35
